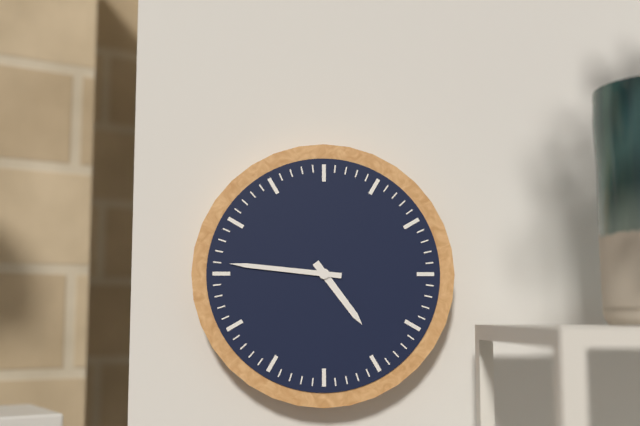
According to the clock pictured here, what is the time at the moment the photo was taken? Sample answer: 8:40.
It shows 4:46
